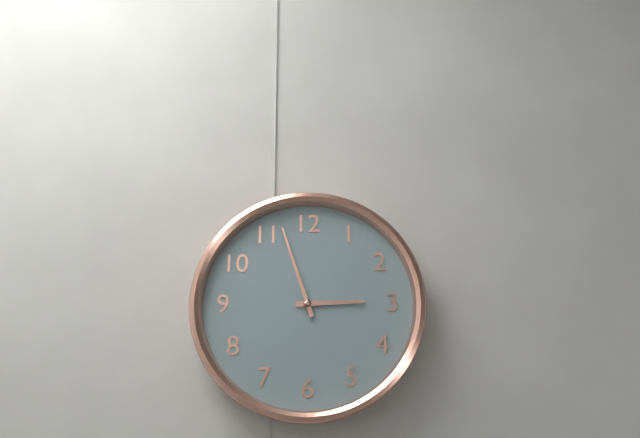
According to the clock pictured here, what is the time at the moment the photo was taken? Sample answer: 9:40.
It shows 2:57
